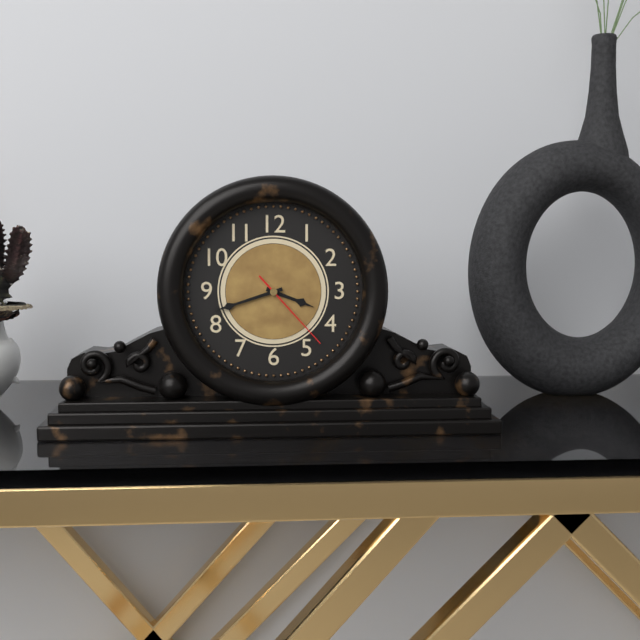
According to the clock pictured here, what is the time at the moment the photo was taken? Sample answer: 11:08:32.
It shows 3:42:23
